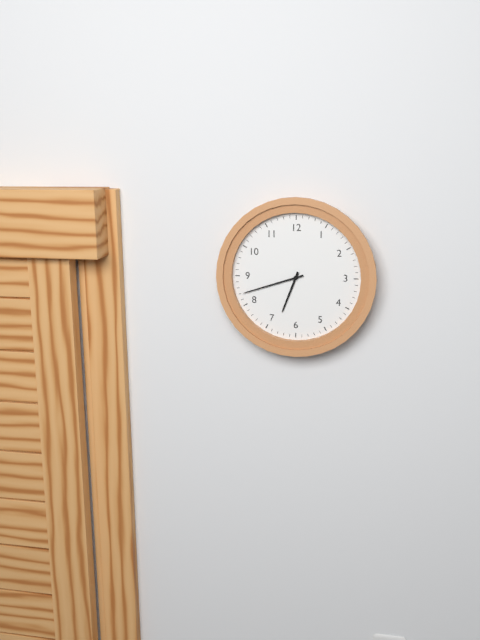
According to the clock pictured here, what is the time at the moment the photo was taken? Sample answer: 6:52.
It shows 6:42
